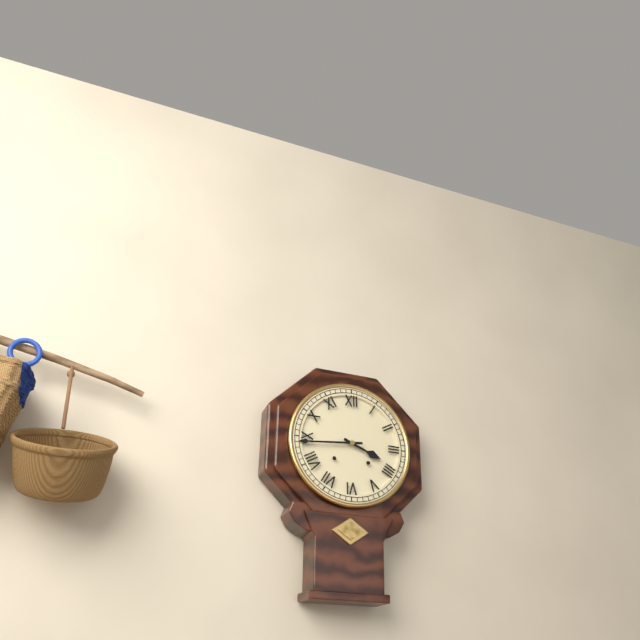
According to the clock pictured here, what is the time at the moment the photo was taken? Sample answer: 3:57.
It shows 3:44
